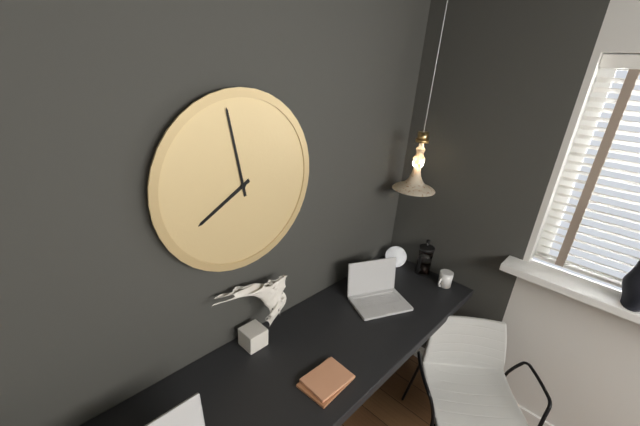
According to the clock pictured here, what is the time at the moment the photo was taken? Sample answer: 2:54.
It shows 7:58
